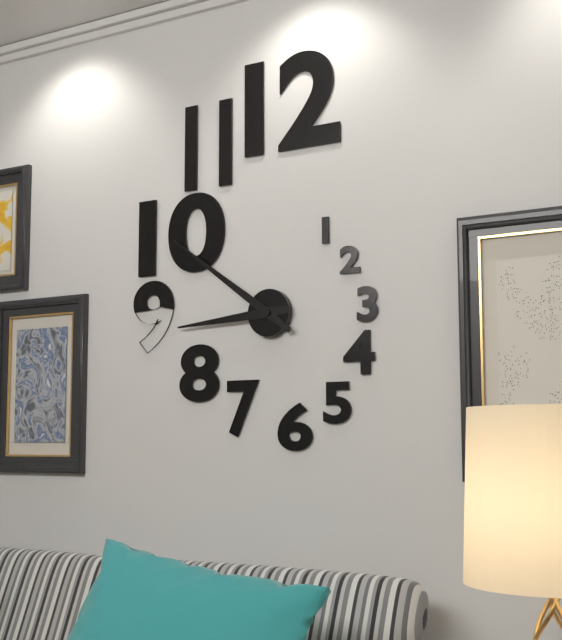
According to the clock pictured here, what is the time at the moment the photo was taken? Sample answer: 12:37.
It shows 8:51
